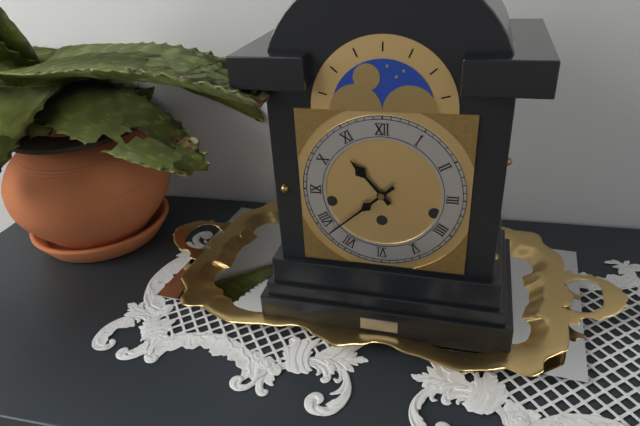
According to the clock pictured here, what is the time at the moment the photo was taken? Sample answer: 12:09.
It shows 10:38
